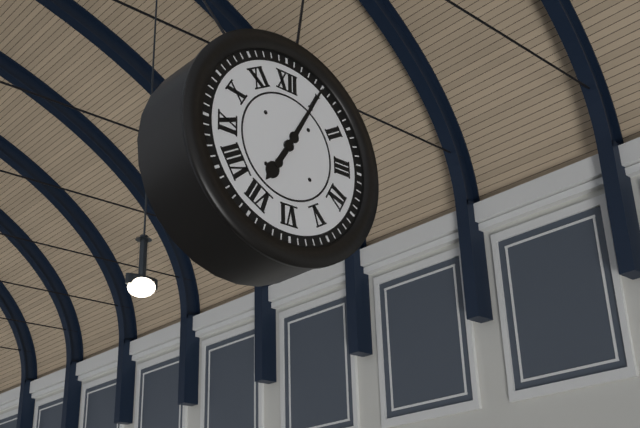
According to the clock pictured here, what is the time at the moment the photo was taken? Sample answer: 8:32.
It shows 7:05
